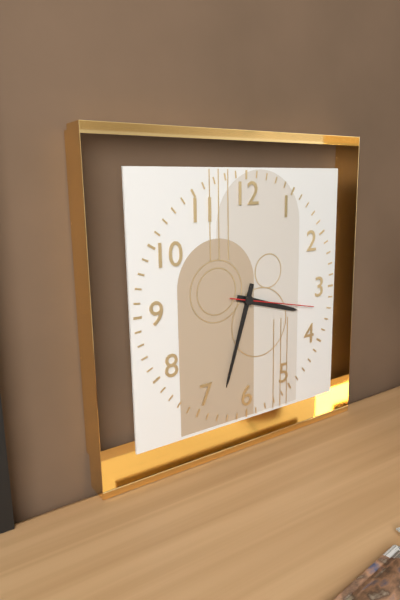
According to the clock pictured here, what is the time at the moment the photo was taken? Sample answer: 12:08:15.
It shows 3:33:17
